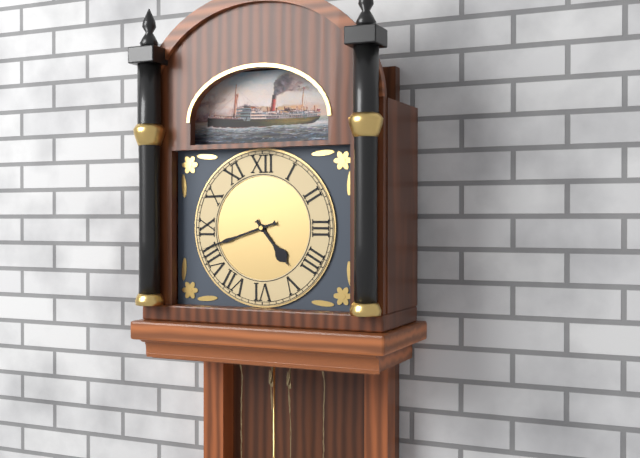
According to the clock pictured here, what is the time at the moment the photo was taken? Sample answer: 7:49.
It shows 4:42
